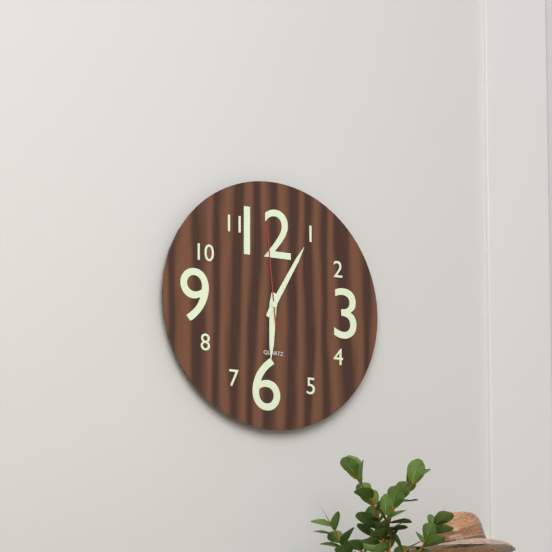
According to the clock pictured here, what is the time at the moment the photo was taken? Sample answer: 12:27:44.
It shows 6:05:59
